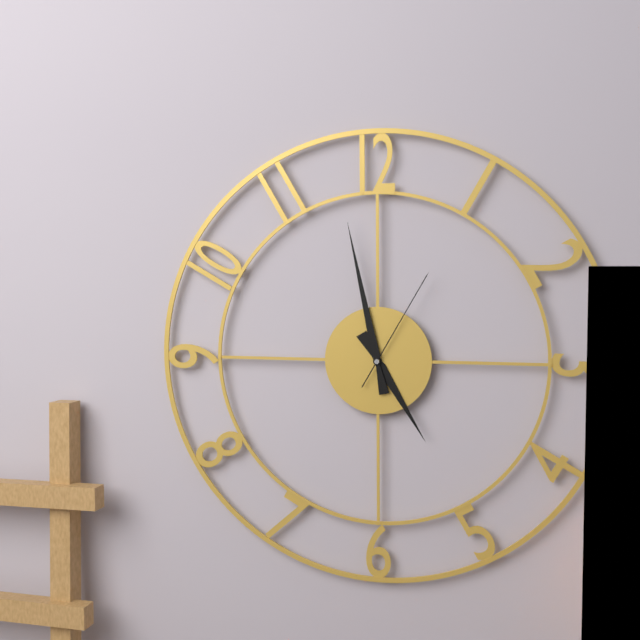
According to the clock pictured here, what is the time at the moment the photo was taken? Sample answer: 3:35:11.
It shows 4:58:05
